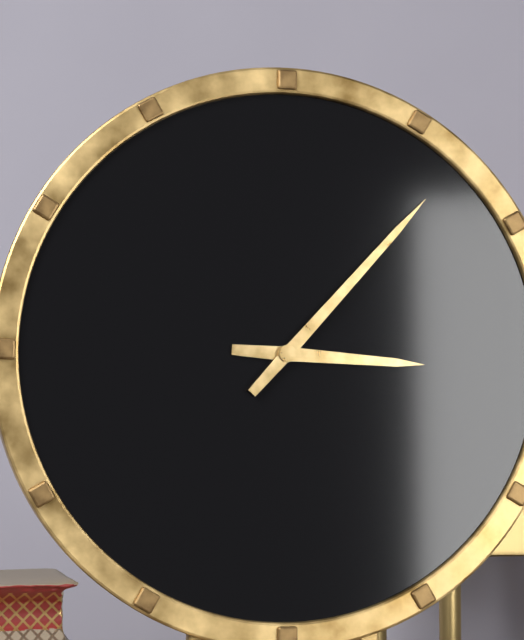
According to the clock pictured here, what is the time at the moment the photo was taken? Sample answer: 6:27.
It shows 3:07
